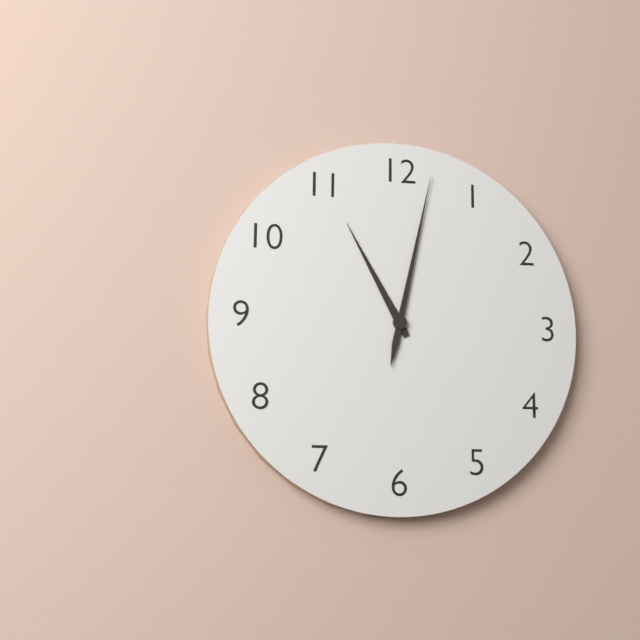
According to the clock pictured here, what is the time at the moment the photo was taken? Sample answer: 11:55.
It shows 11:02
